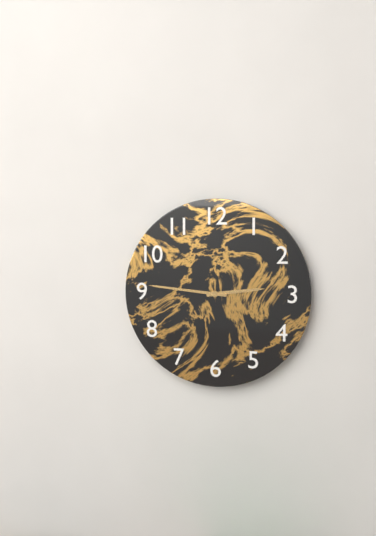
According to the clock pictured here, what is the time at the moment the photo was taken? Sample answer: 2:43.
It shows 2:46
